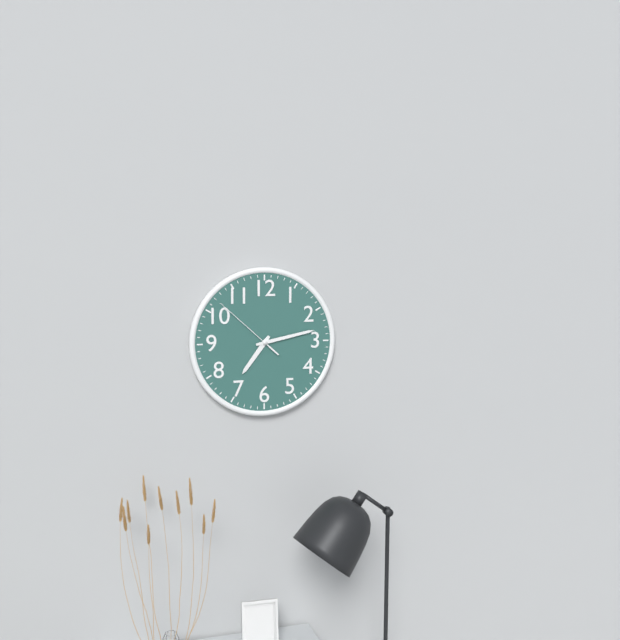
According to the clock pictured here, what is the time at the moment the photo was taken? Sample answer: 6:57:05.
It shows 7:13:52
